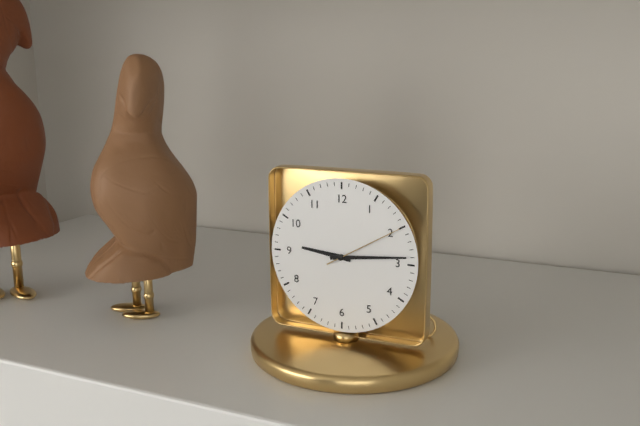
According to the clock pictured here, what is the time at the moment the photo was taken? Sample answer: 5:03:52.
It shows 9:14:10
